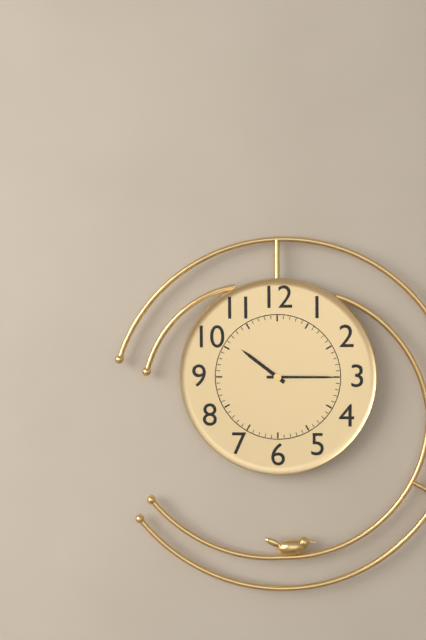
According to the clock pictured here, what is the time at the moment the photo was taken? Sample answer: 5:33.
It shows 10:15
